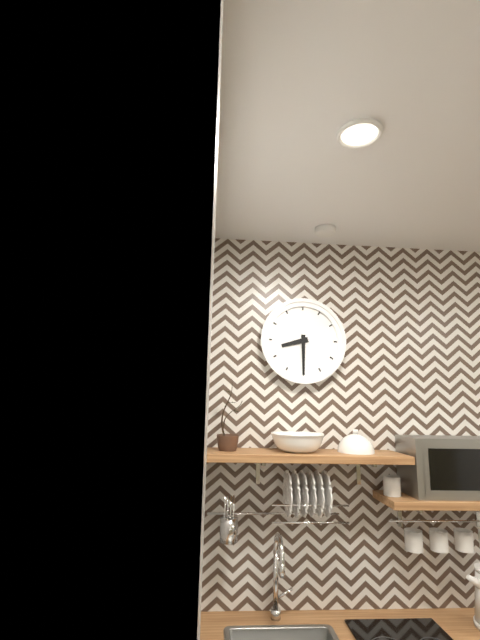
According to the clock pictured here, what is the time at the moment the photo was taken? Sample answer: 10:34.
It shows 8:30
